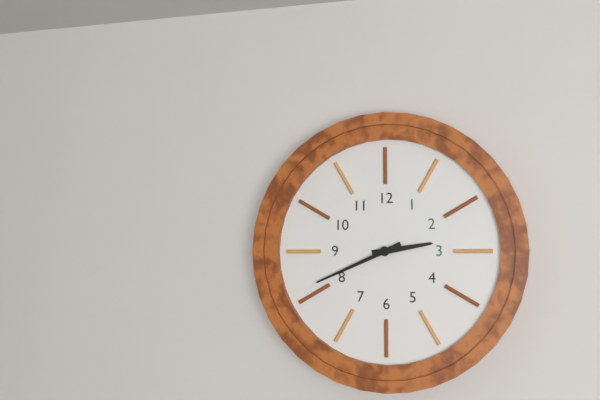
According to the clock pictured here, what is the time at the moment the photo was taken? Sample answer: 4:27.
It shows 2:41
